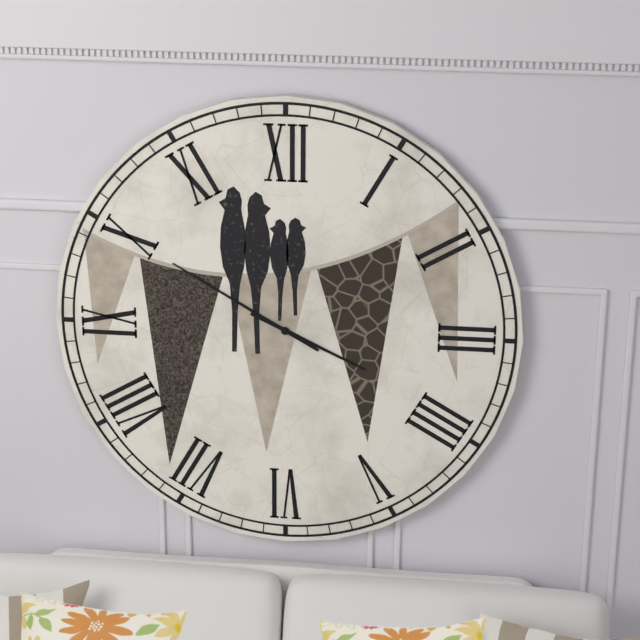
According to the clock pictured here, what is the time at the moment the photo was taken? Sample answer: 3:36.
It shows 3:50
